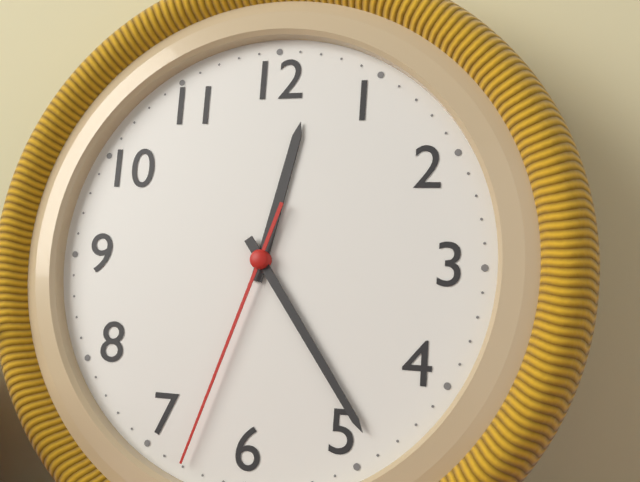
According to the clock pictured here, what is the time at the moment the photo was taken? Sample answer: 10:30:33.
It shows 12:24:33
